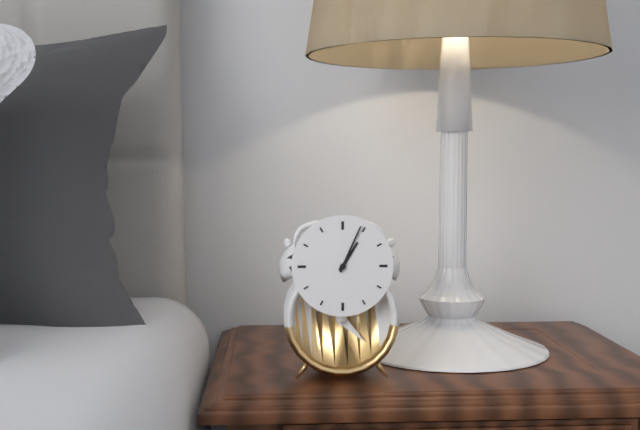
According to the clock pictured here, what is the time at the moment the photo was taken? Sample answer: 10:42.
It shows 1:04
